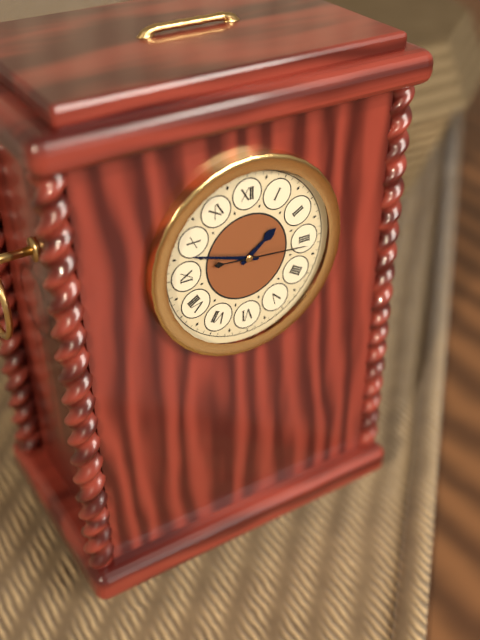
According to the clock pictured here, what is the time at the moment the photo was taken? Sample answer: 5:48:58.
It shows 1:48:16
